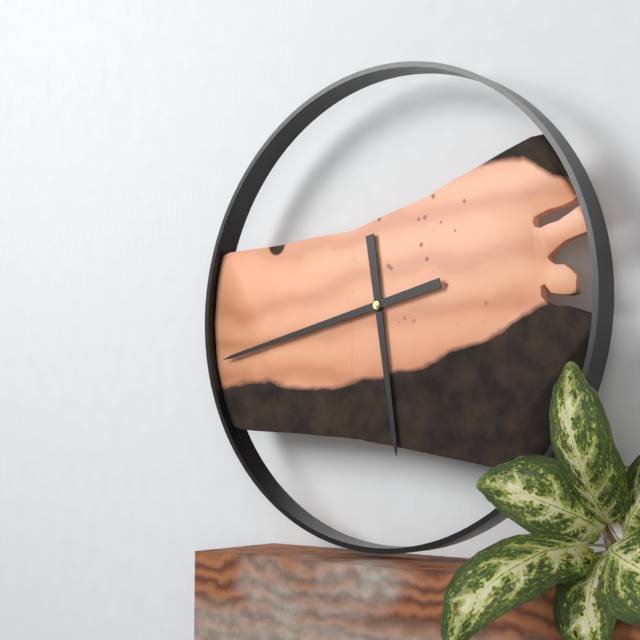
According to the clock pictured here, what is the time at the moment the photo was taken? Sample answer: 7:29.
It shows 5:43
